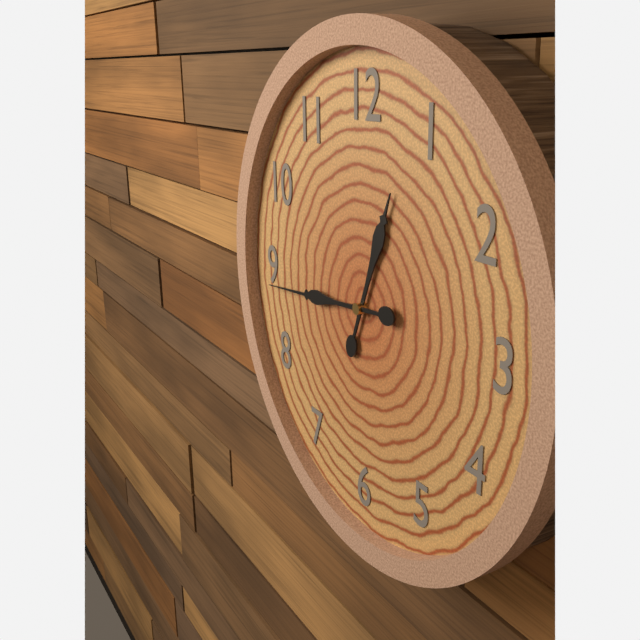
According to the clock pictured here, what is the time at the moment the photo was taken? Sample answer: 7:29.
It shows 12:44
